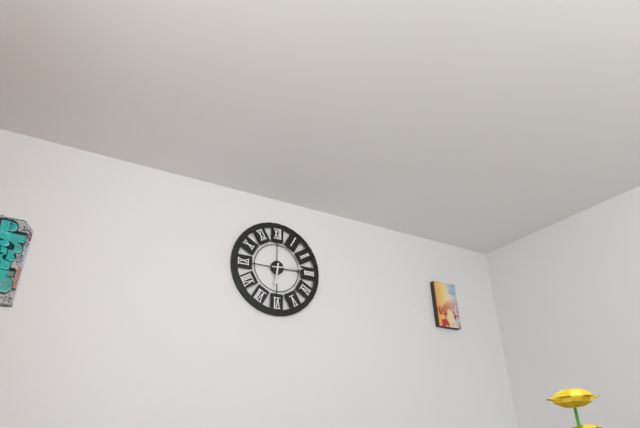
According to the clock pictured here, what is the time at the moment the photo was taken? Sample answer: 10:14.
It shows 6:14
